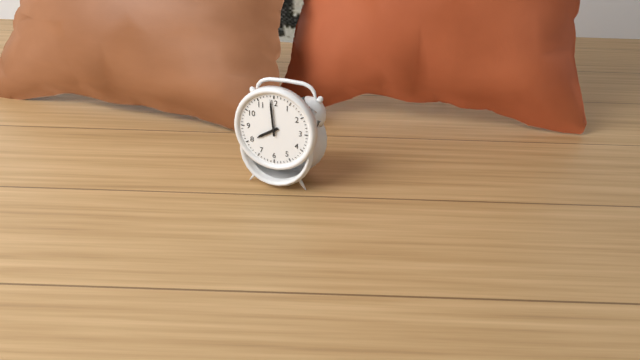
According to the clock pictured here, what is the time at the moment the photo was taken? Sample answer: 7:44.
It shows 7:59
